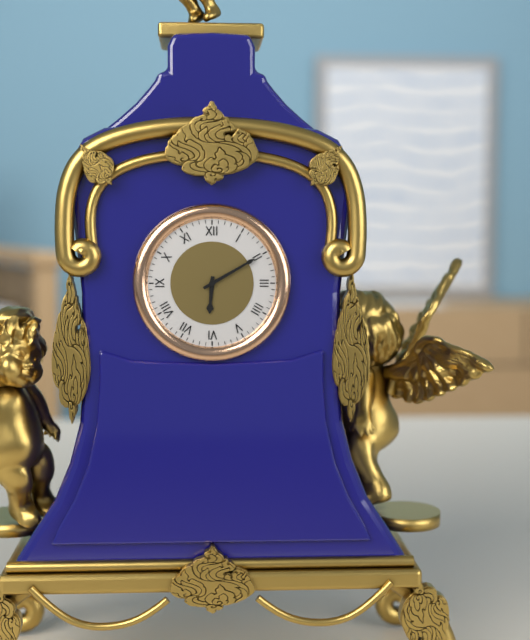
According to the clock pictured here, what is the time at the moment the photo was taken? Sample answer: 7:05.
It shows 6:10
